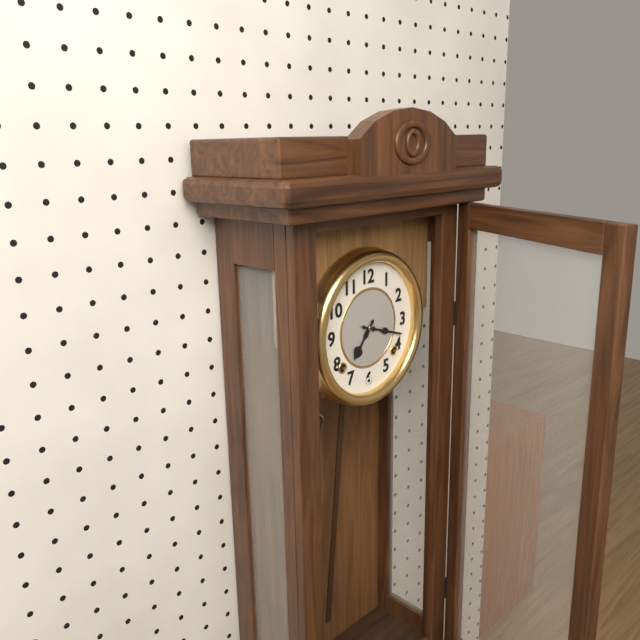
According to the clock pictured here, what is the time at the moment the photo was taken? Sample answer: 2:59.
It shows 7:18
